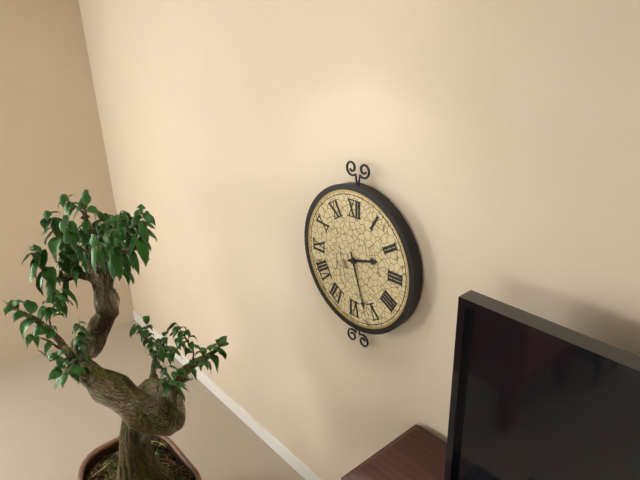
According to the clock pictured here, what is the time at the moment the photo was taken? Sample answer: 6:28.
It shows 2:27
